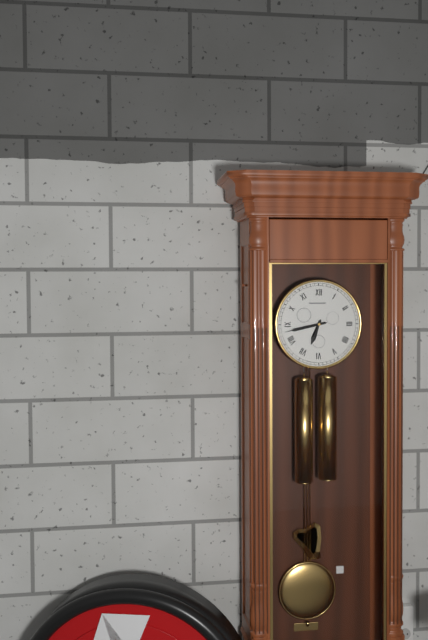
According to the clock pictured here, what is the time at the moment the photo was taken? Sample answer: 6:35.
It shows 6:43
